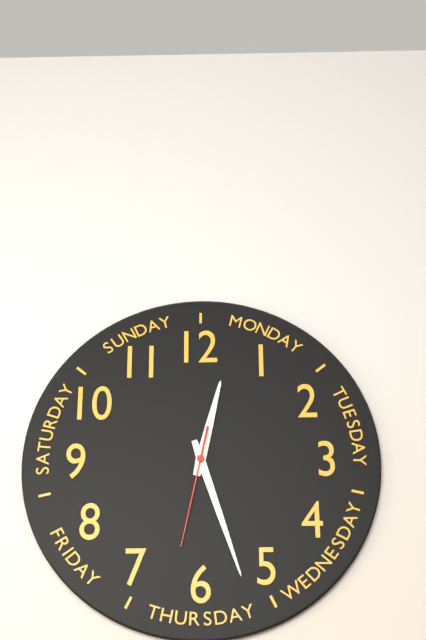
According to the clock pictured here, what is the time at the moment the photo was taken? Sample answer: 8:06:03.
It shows 12:27:32
